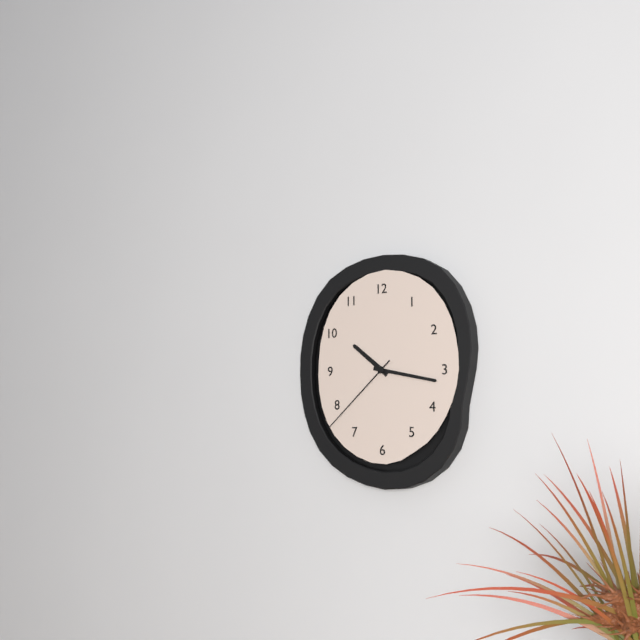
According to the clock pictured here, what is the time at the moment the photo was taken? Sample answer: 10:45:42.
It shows 10:17:38
